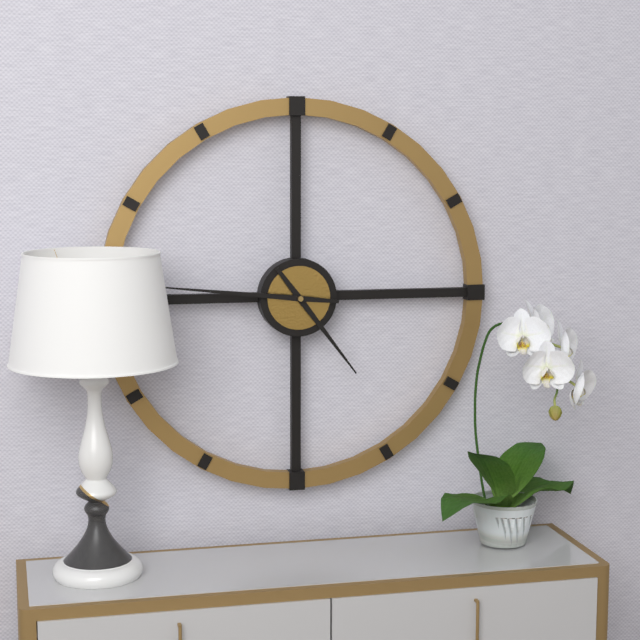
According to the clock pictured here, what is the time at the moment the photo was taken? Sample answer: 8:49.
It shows 4:46
